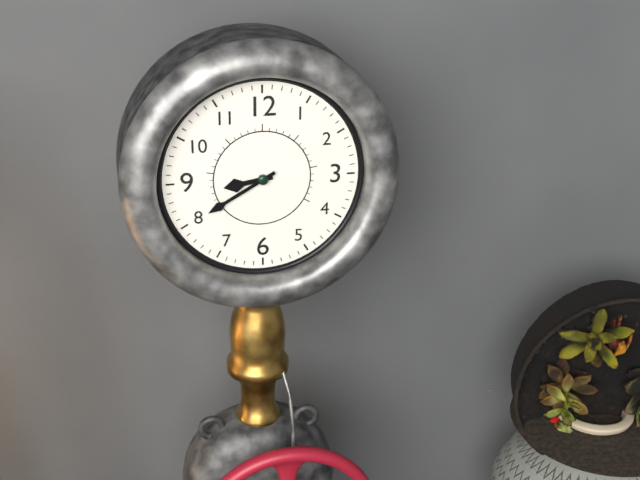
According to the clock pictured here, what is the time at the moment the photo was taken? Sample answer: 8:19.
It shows 8:40
